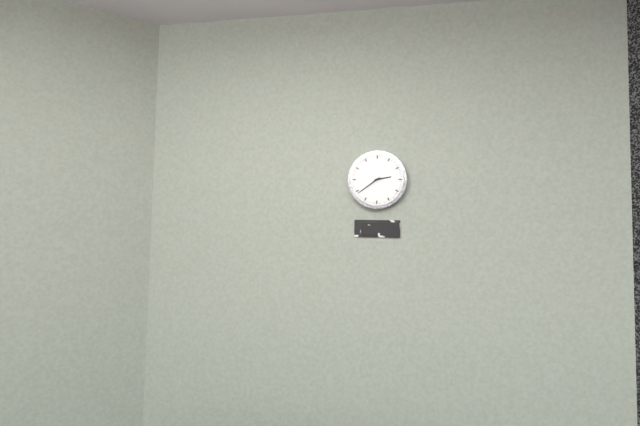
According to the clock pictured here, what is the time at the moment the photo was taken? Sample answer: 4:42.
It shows 2:39
